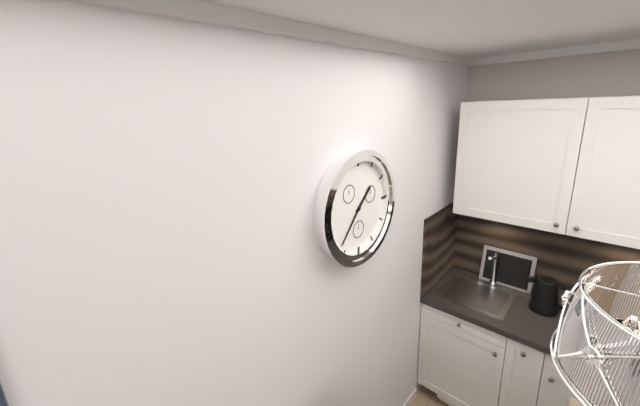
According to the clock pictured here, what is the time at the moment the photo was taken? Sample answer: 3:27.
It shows 1:37
